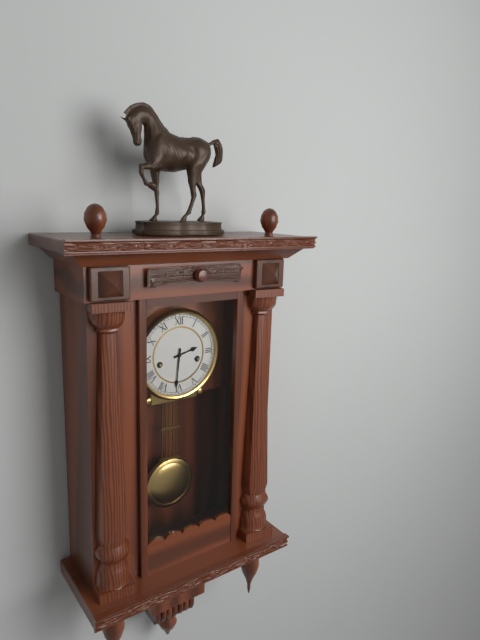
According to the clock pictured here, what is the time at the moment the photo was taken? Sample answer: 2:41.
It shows 2:31
